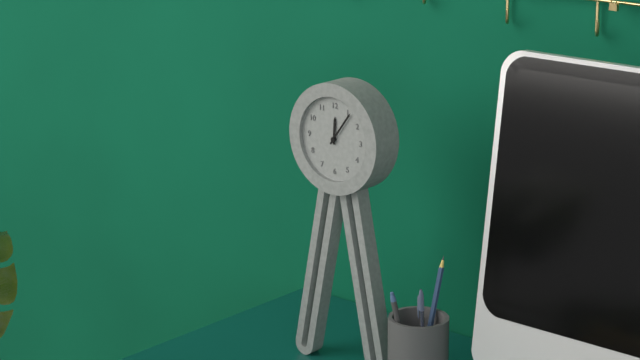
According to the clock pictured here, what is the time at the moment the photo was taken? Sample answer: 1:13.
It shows 12:06
